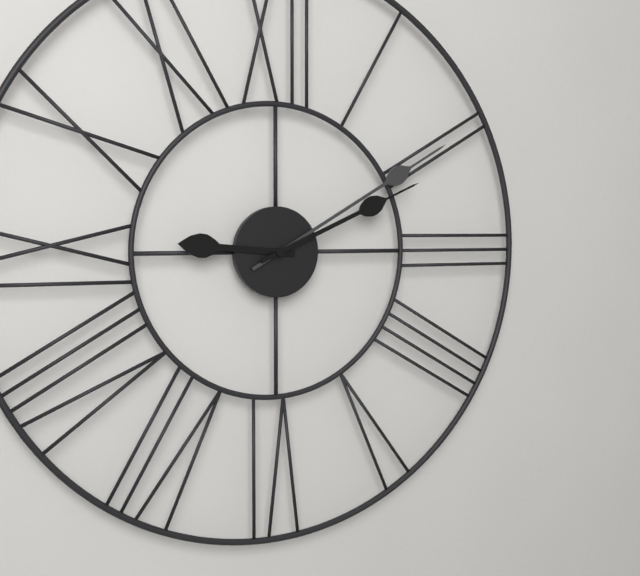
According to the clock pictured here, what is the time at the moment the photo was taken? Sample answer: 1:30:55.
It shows 9:10:11
